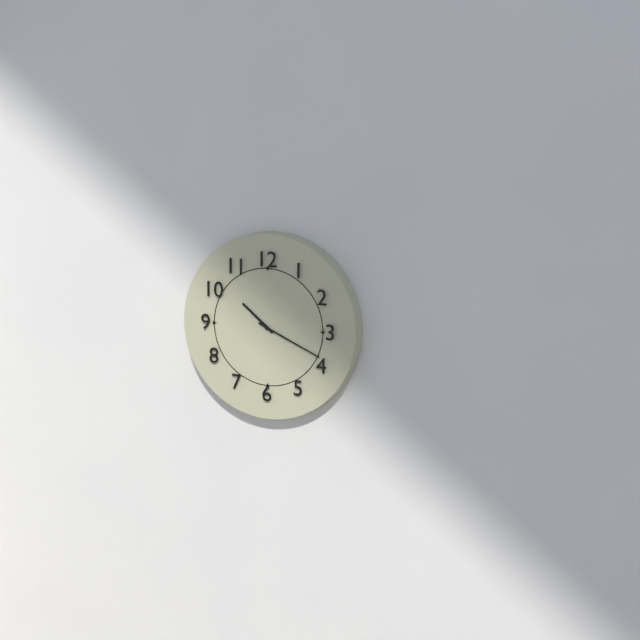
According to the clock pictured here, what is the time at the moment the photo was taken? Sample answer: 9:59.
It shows 10:19
